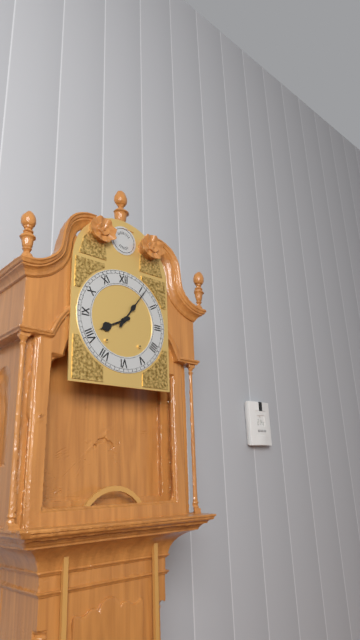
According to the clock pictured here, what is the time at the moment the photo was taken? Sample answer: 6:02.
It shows 8:06
